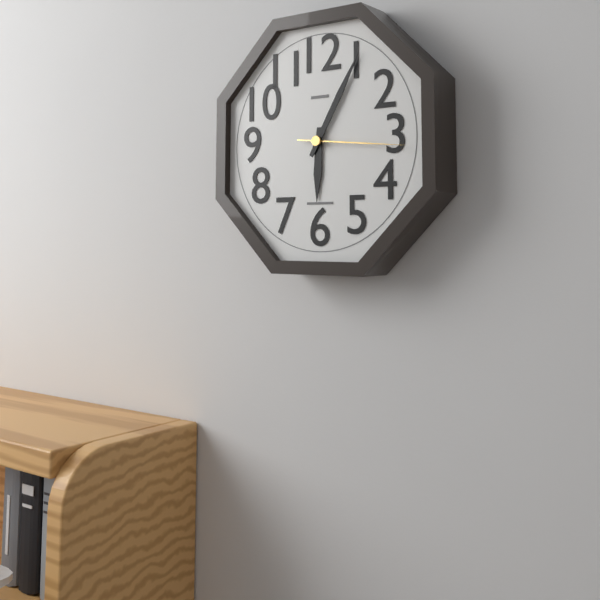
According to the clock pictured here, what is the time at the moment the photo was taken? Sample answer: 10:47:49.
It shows 6:05:16
